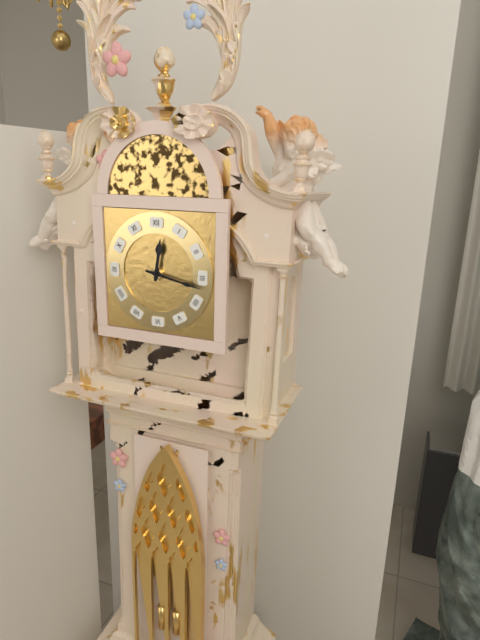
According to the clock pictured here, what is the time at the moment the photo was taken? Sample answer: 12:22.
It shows 12:17
